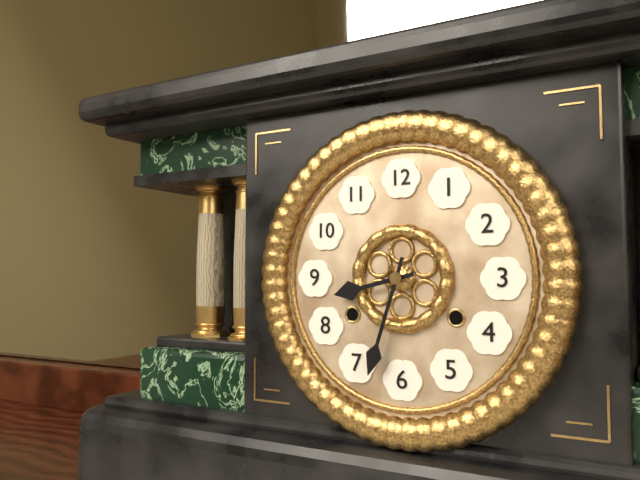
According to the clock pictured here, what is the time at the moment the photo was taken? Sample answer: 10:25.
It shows 8:33
